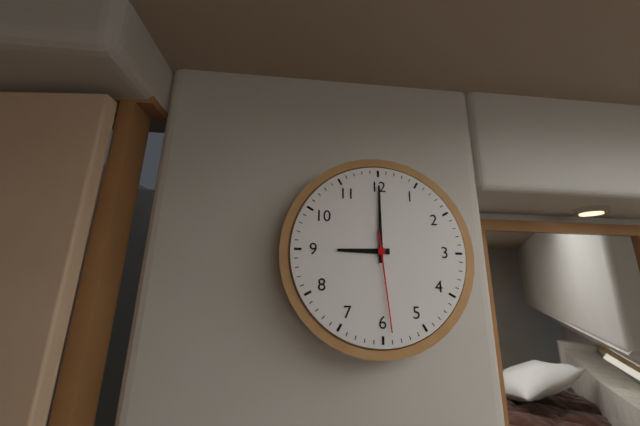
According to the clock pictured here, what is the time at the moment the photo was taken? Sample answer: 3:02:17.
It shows 9:00:29
